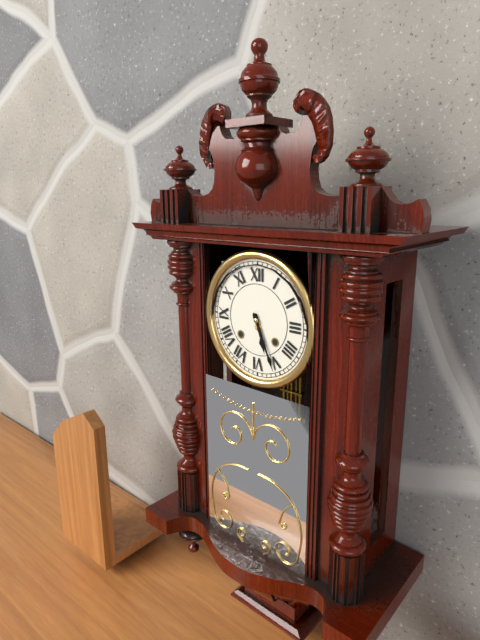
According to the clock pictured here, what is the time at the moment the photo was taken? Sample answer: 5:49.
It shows 5:26
